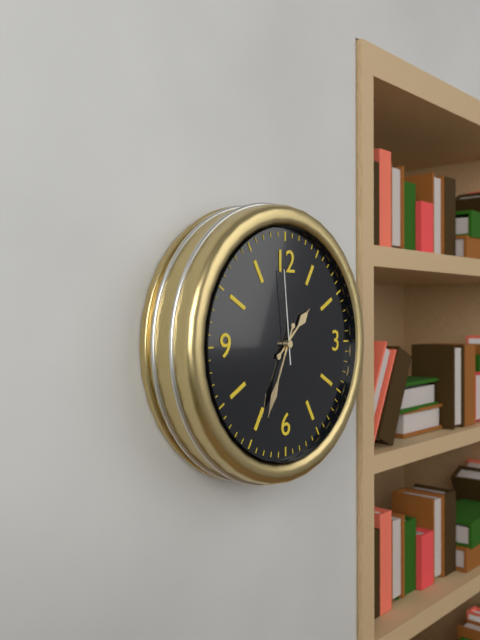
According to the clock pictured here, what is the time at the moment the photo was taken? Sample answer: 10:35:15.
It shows 1:34:59
